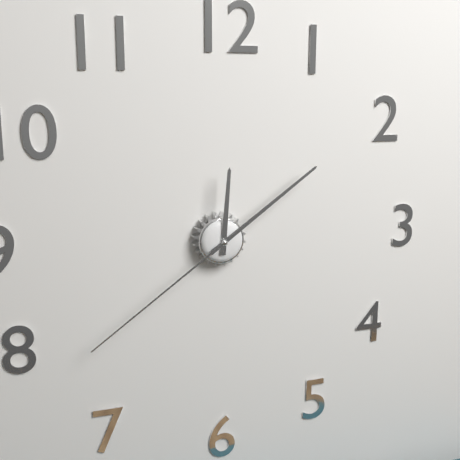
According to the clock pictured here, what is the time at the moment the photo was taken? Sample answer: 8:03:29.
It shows 12:09:39
